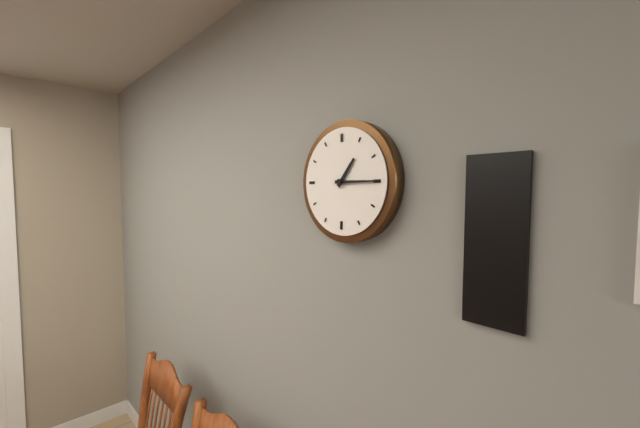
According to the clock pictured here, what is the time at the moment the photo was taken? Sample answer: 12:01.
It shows 1:15
